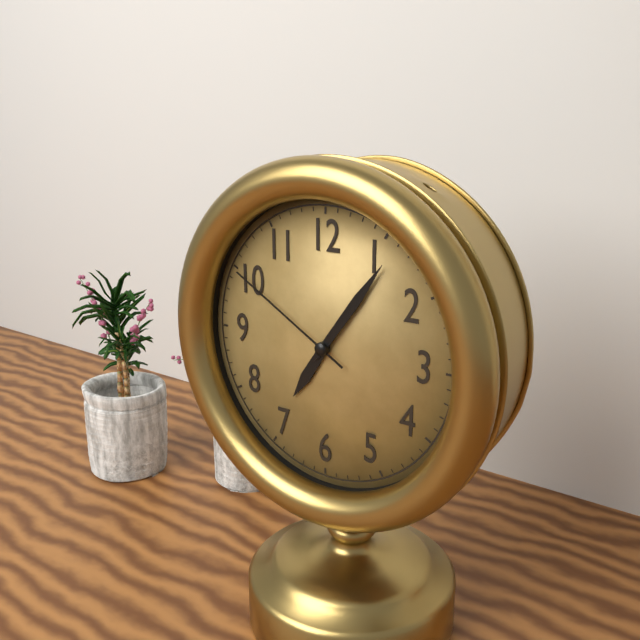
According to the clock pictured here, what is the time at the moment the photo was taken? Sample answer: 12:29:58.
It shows 7:06:50
